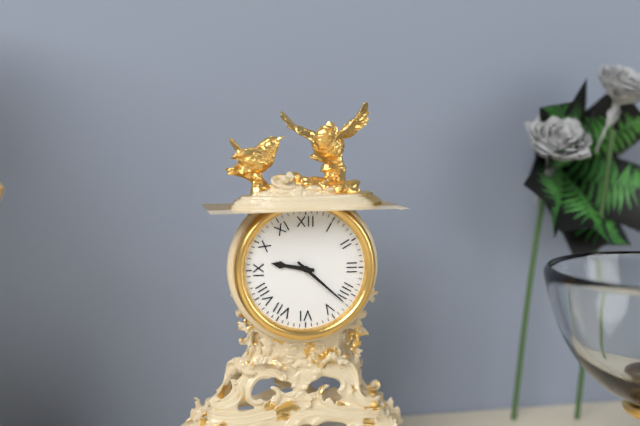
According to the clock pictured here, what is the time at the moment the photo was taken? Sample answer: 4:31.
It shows 9:22
